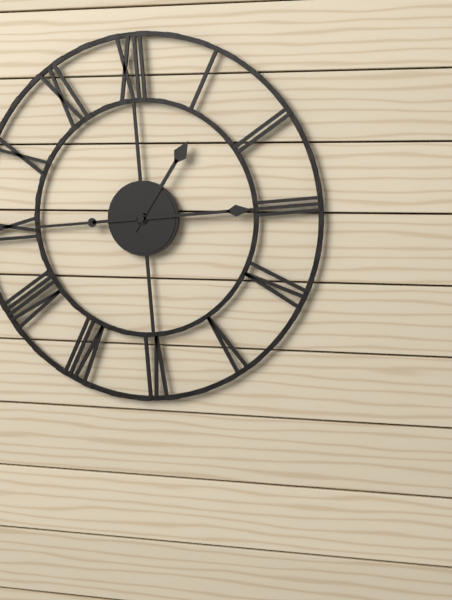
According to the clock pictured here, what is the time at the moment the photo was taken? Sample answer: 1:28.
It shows 1:15
